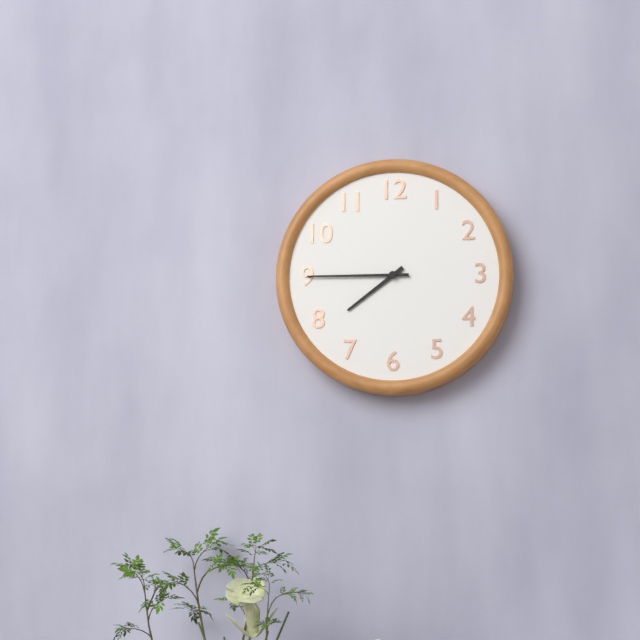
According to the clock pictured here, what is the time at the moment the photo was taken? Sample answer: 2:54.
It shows 7:45
